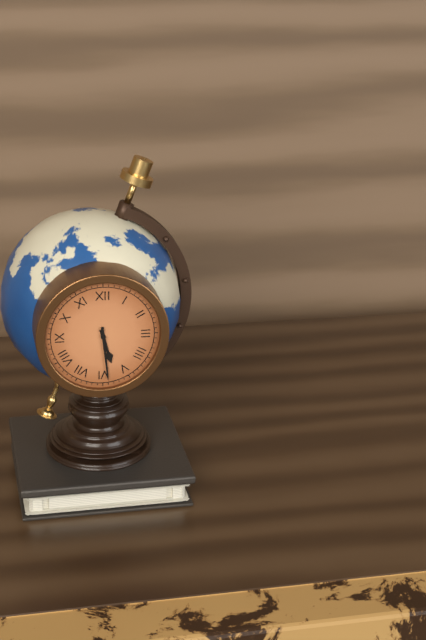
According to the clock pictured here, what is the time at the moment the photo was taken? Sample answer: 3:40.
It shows 5:29
